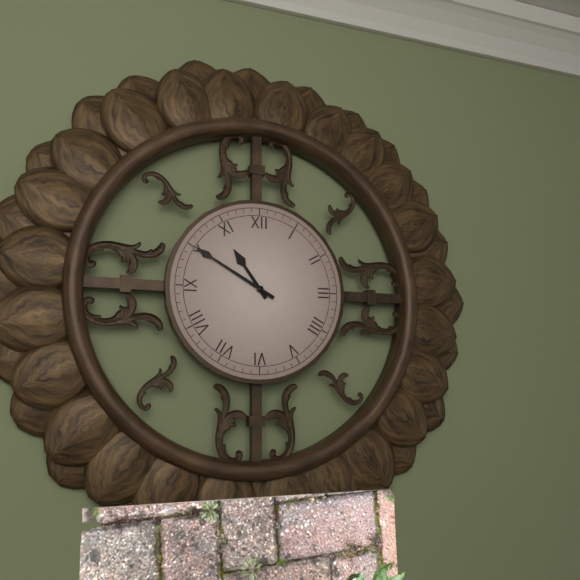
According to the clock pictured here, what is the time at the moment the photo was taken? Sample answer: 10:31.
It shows 10:50
